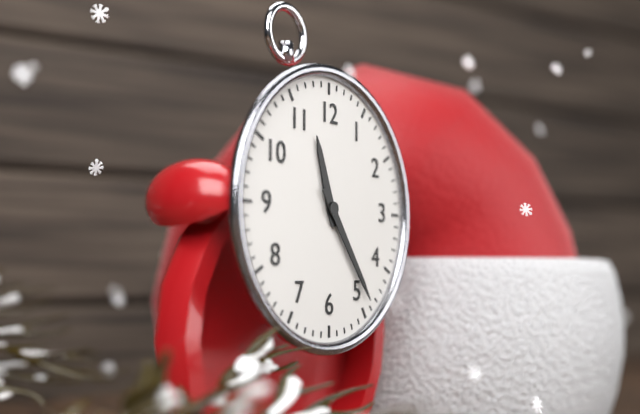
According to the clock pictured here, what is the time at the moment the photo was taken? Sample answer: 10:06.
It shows 11:24
